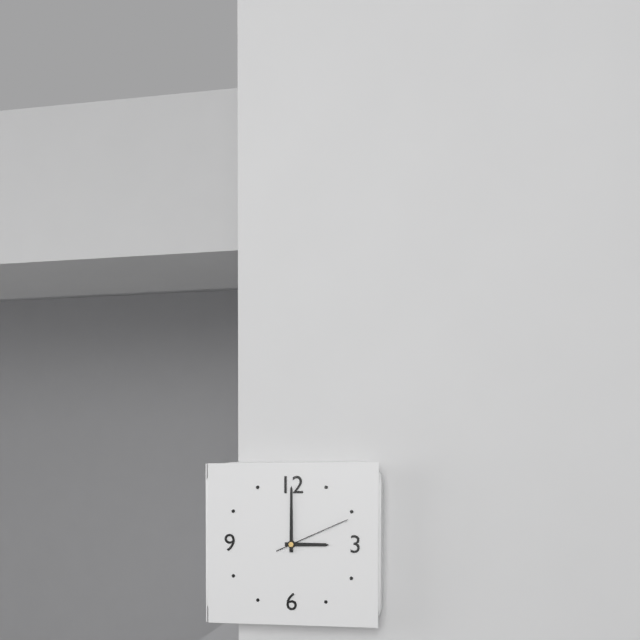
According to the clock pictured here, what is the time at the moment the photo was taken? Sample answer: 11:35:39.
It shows 3:00:11
